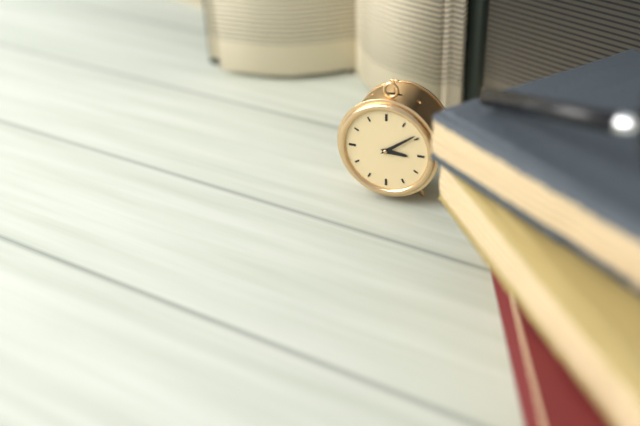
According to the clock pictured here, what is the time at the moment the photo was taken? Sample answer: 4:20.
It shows 3:09
